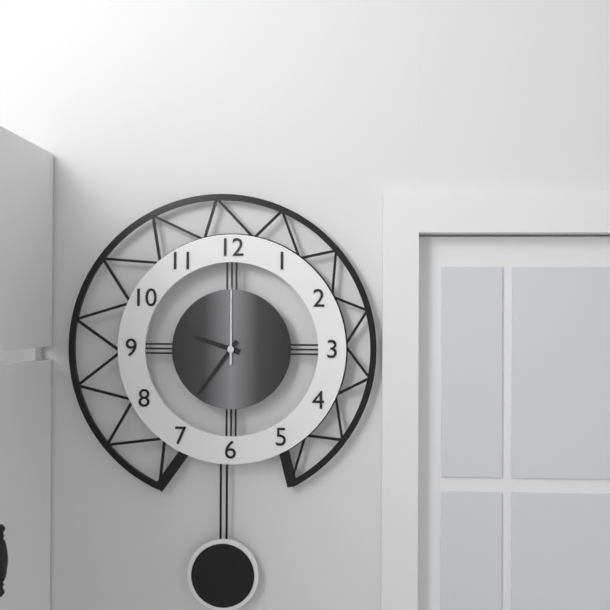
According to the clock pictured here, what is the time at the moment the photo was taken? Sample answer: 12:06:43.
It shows 9:36:00
